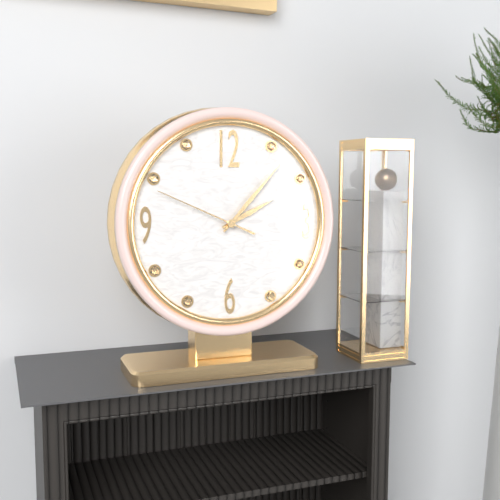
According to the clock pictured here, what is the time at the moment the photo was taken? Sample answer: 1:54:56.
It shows 2:07:49
